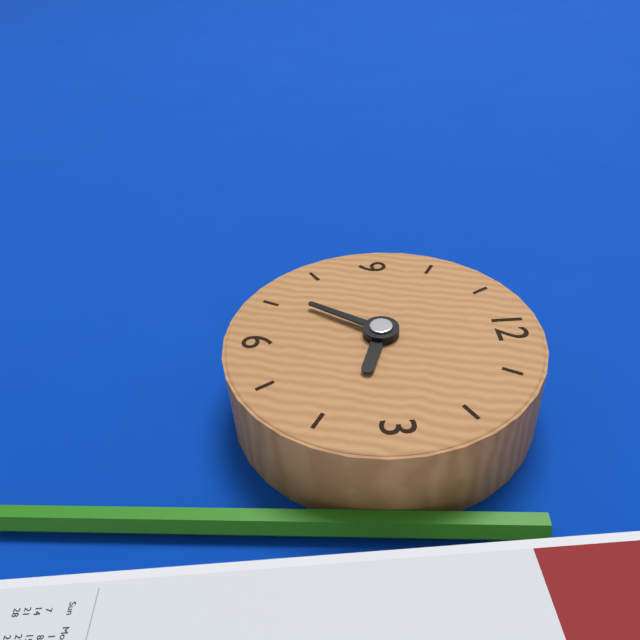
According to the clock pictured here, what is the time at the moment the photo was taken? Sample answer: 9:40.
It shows 3:36
